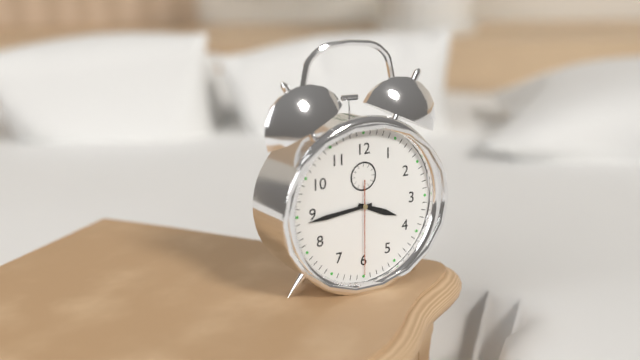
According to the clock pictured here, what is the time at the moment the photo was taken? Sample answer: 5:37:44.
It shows 3:44:30
